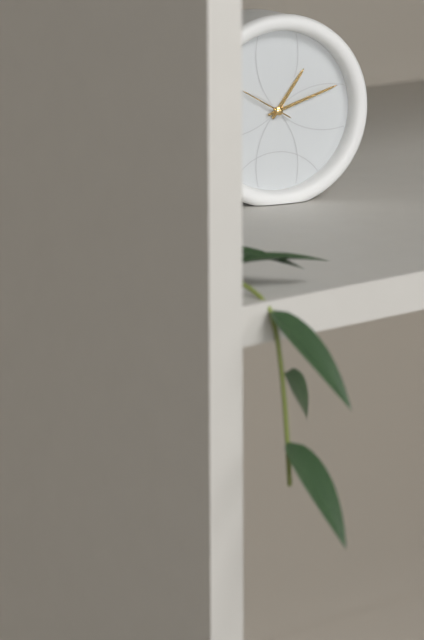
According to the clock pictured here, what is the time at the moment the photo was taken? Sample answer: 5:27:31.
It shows 1:12:50
